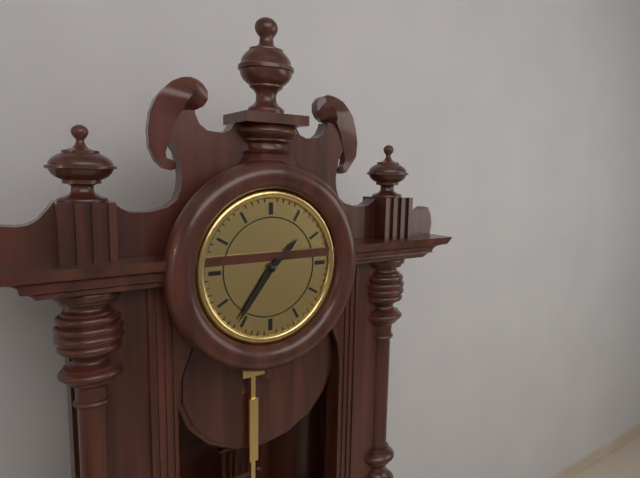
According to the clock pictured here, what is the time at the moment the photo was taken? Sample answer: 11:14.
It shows 1:36
